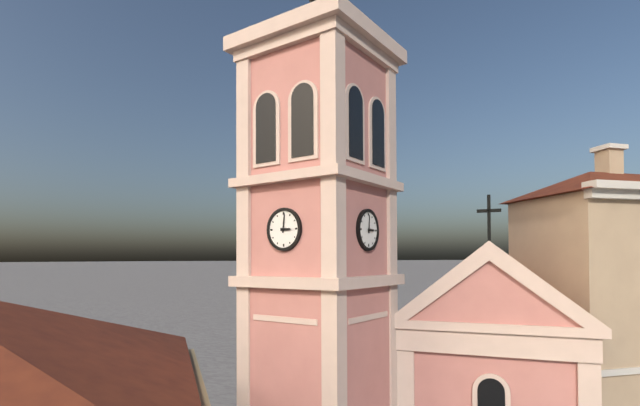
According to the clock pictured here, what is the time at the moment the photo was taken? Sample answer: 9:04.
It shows 3:01
